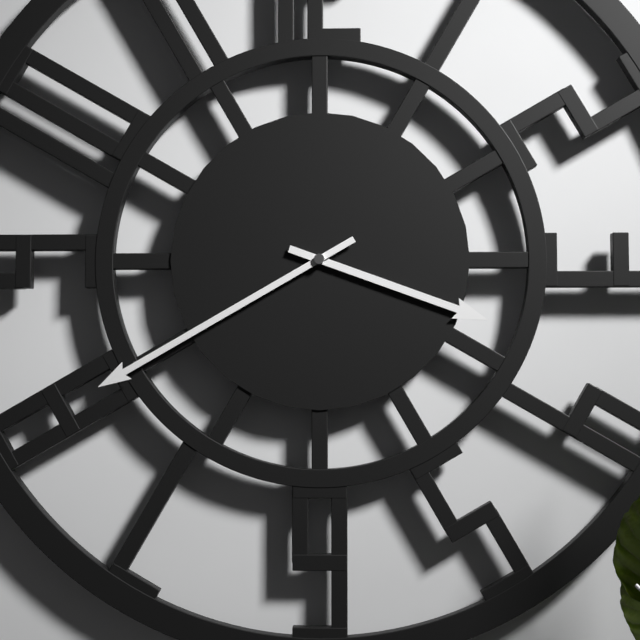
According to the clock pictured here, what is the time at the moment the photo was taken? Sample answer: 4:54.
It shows 3:40
